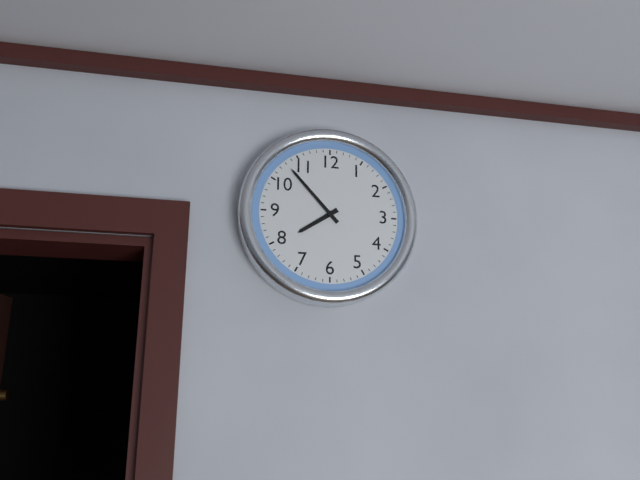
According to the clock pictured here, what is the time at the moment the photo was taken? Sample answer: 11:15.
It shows 7:53
